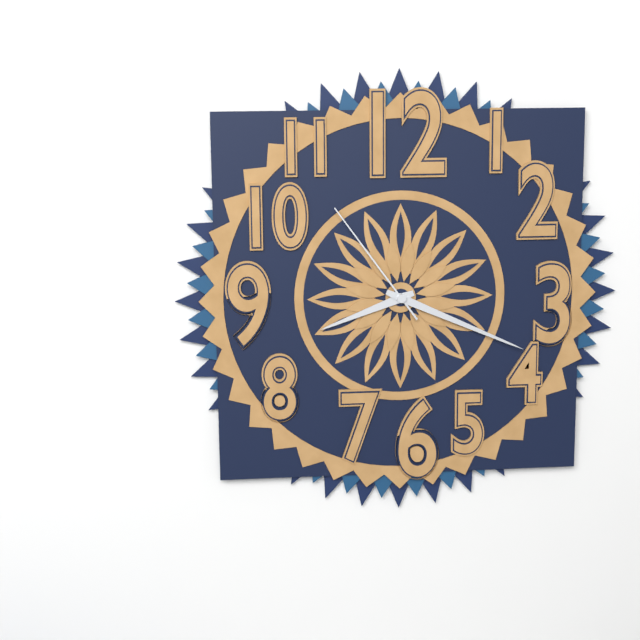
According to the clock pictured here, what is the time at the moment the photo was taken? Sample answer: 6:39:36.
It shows 8:19:54
